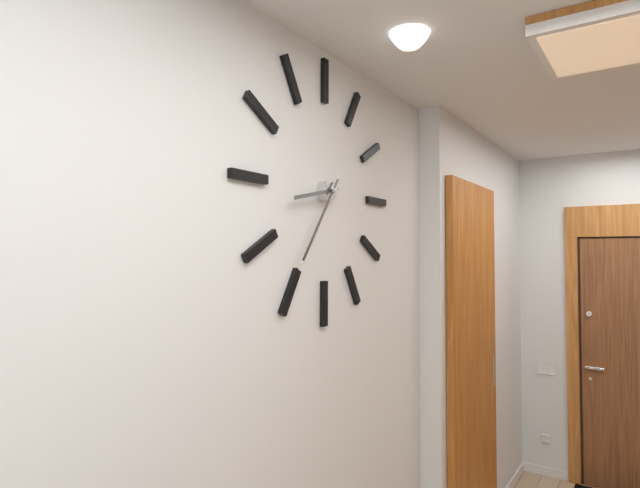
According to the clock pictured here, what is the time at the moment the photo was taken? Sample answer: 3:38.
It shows 8:36
